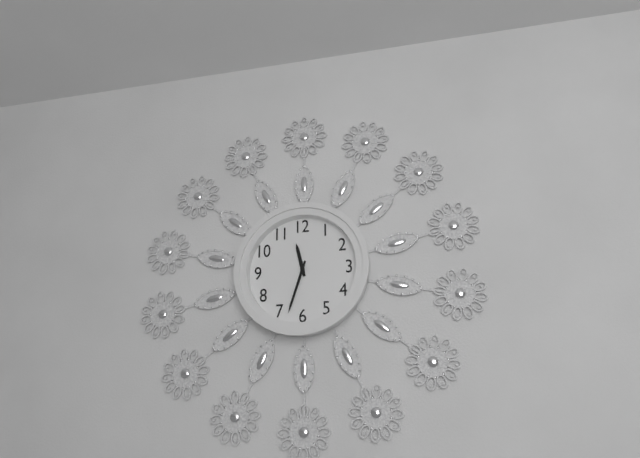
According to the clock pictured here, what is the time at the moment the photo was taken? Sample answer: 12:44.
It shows 11:33
